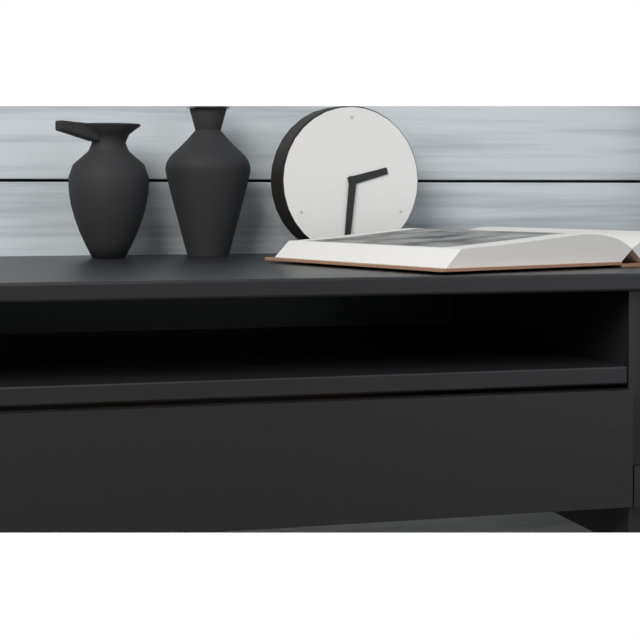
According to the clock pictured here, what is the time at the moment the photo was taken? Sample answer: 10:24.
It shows 2:31
